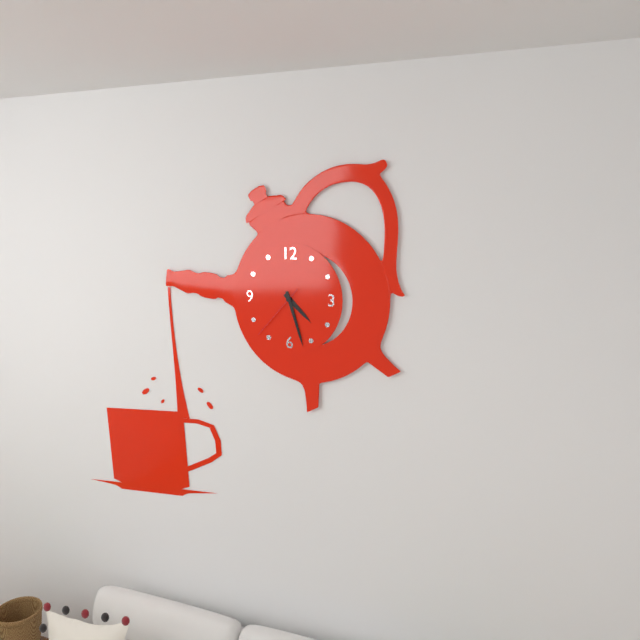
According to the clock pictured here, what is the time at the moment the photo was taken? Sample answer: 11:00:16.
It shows 4:27:37
